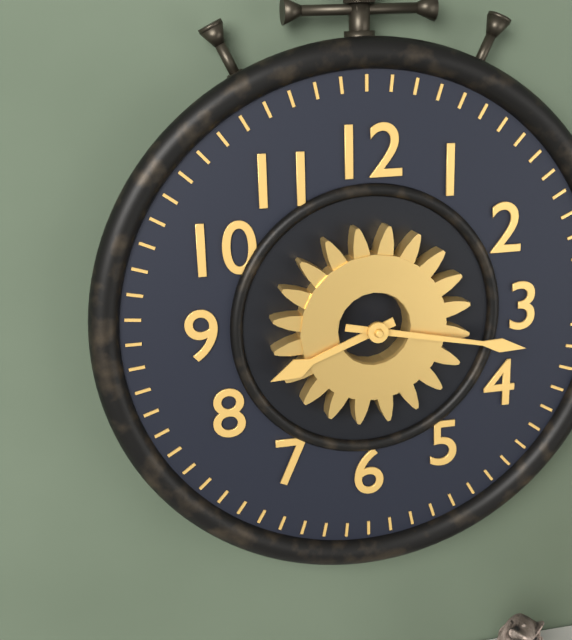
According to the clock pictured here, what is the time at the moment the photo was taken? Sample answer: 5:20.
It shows 8:17
